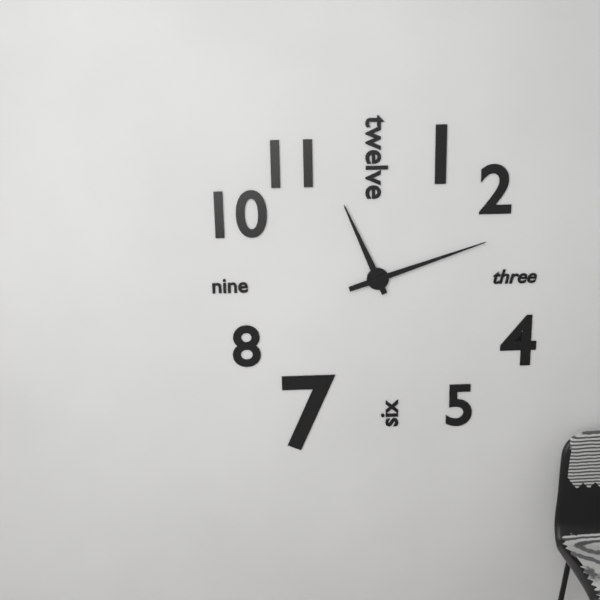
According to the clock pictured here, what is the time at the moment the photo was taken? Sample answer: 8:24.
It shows 11:12
